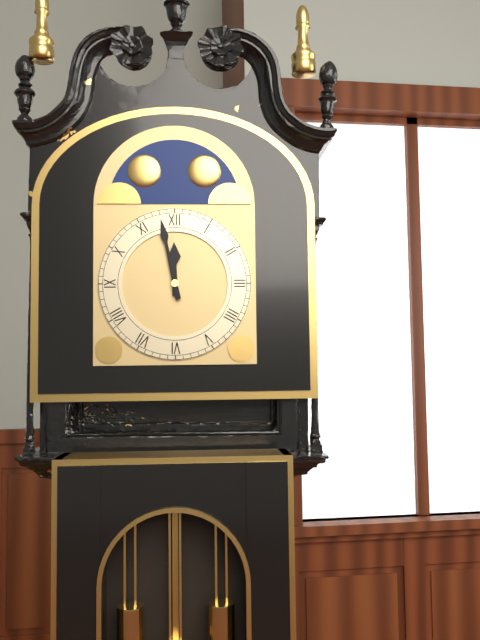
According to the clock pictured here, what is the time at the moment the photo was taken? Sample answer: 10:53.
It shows 11:58
